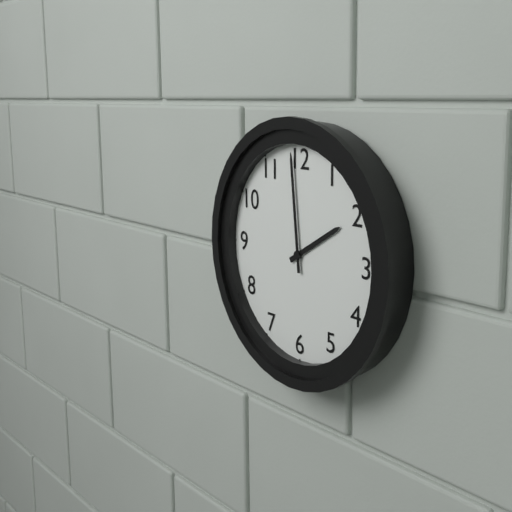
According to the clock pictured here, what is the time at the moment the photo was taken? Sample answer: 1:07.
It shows 1:59
